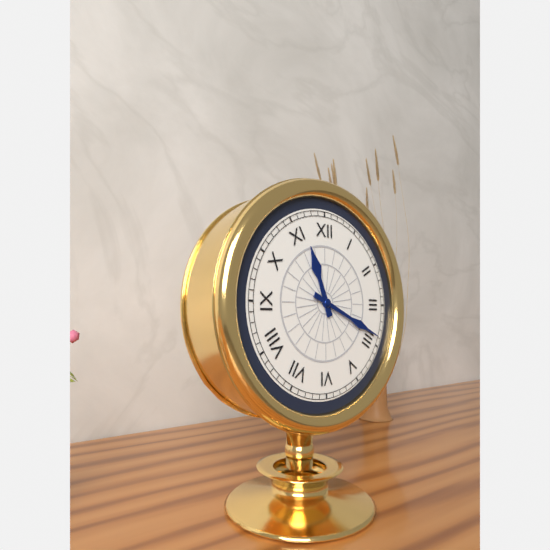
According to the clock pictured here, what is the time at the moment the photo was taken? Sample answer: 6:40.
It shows 11:19
